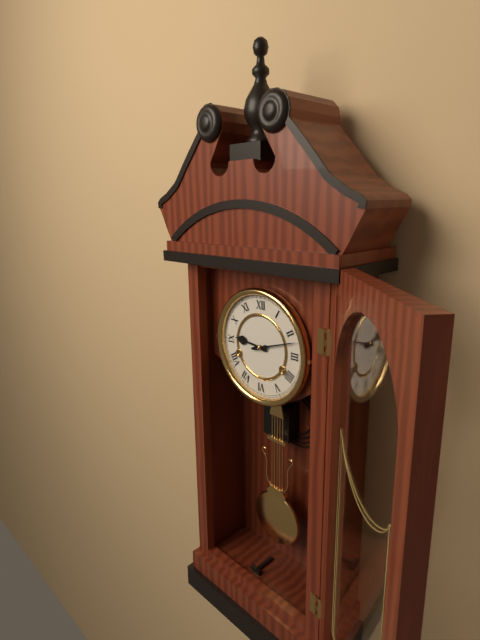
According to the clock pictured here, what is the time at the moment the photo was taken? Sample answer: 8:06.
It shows 9:12
